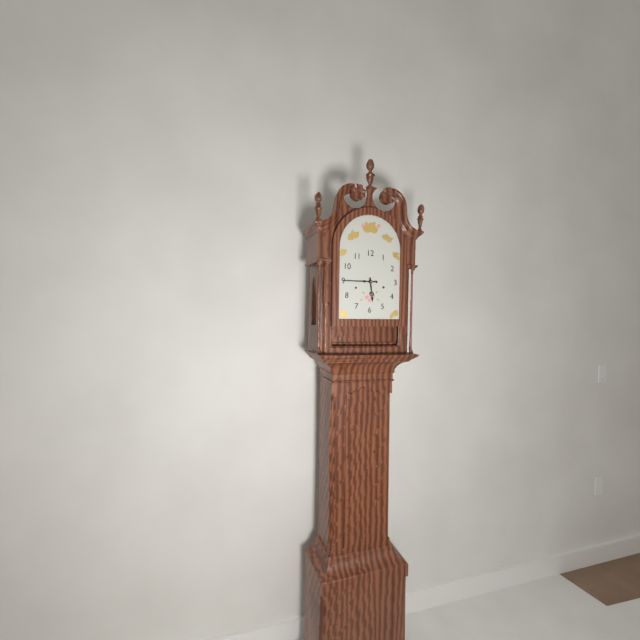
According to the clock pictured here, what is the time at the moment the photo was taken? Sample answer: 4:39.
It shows 5:45
